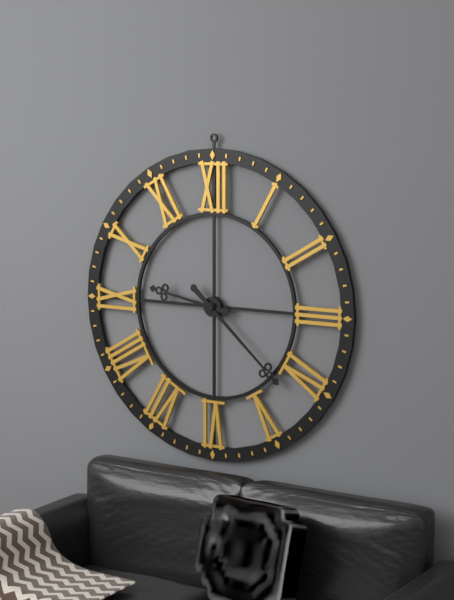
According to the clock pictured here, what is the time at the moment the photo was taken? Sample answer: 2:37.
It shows 9:22
